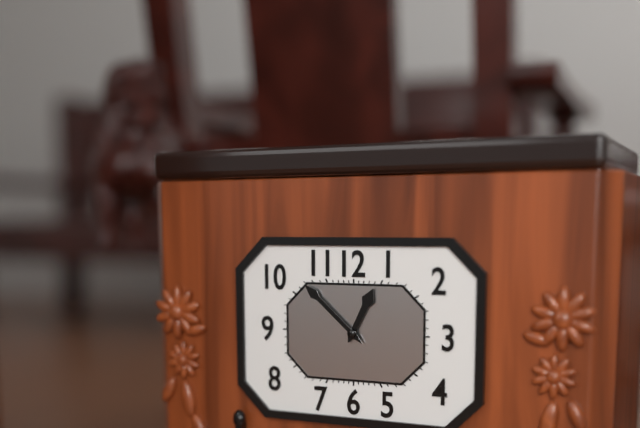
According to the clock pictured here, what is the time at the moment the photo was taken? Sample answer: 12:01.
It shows 12:52
